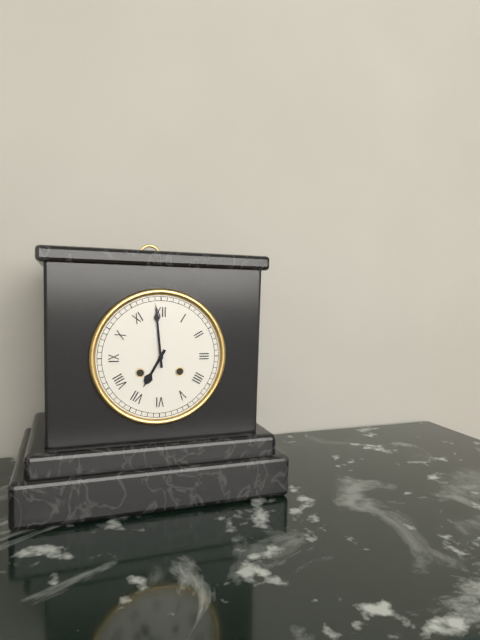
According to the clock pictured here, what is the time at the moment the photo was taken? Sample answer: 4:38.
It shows 6:59
